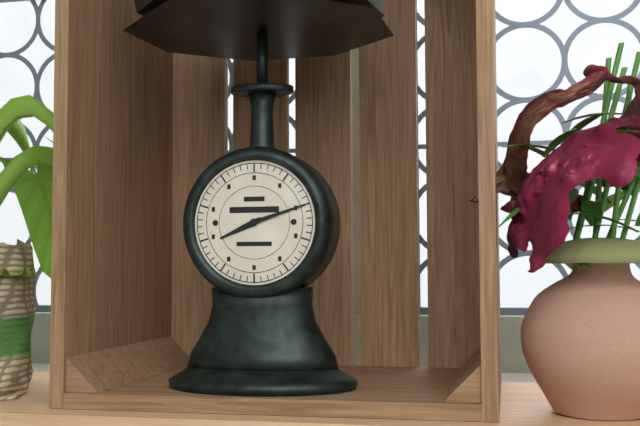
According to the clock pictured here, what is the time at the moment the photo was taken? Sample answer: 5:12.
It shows 8:12
